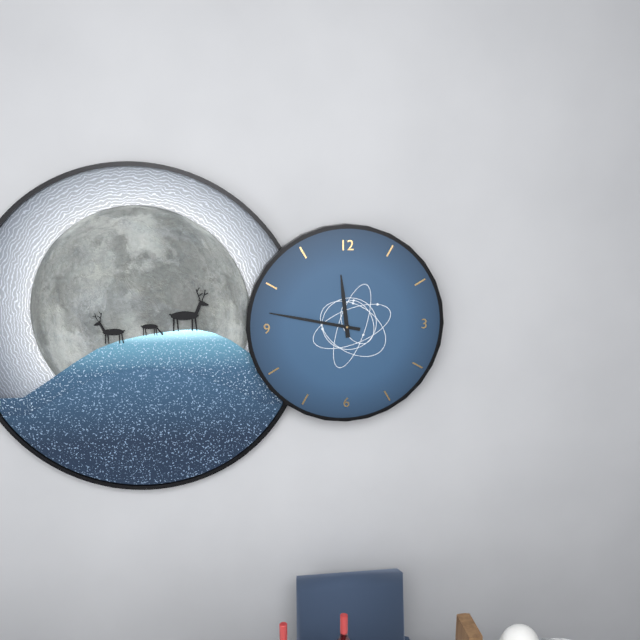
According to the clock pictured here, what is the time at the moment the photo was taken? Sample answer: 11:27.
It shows 11:47
